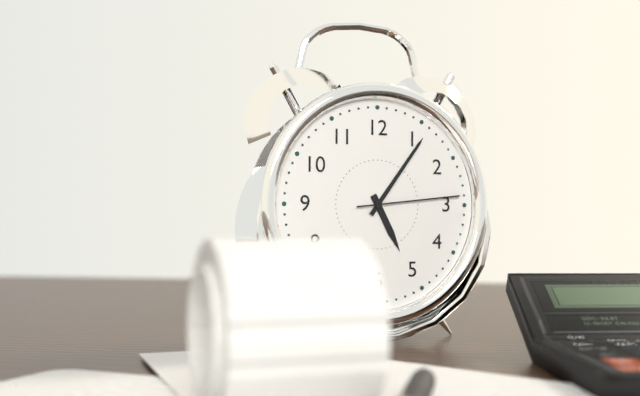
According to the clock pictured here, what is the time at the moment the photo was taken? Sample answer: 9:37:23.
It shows 5:06:14
